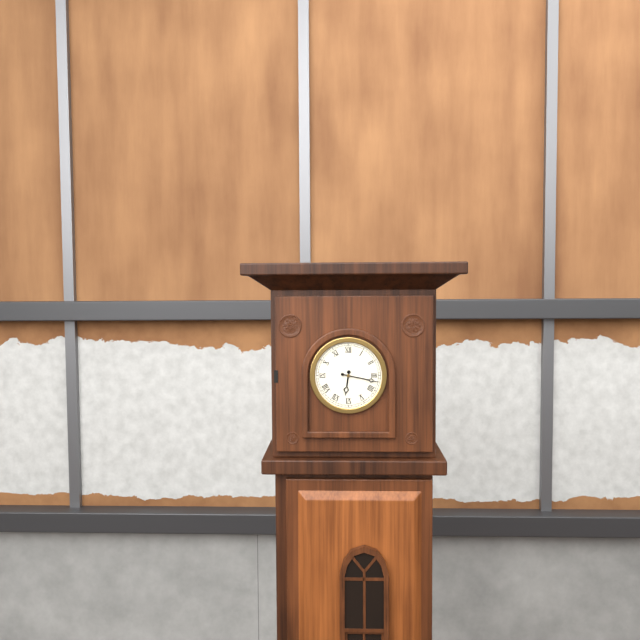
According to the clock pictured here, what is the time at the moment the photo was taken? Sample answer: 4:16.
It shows 6:17
